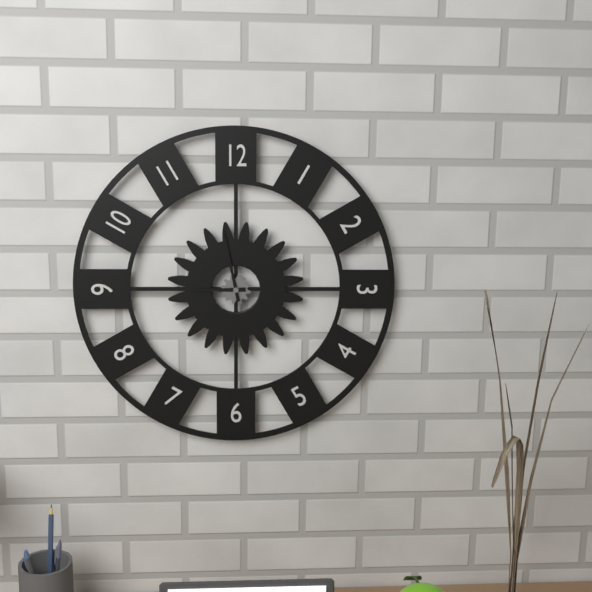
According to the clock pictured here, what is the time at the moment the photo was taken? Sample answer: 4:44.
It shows 8:58
